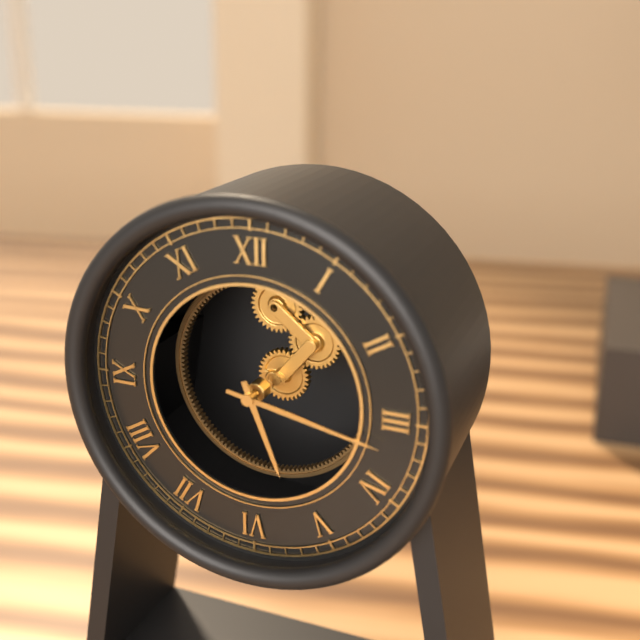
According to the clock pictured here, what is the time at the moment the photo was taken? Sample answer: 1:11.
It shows 5:17
